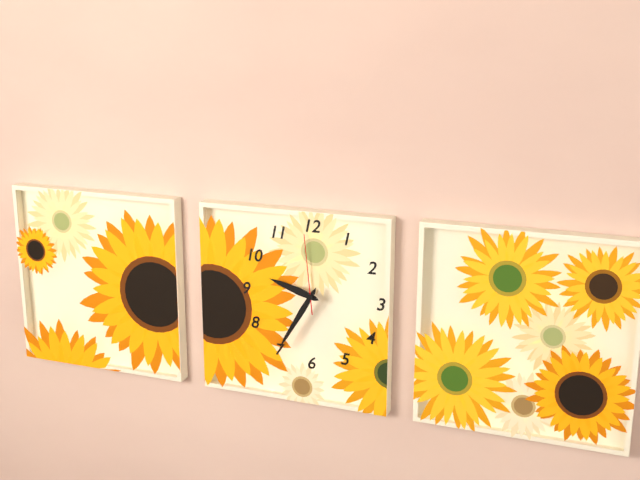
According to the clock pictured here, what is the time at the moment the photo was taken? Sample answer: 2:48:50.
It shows 9:35:59
